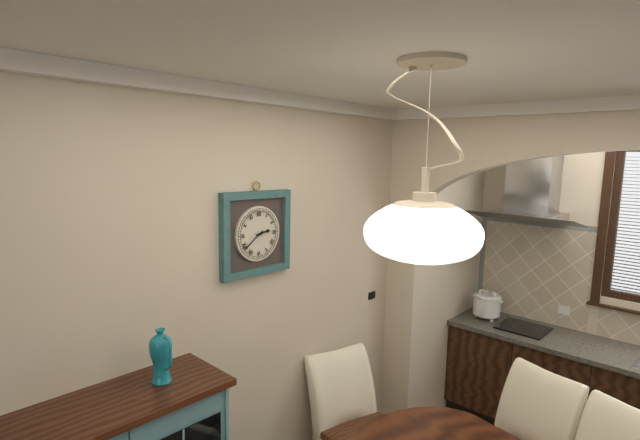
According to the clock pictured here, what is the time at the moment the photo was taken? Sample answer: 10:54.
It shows 2:39
